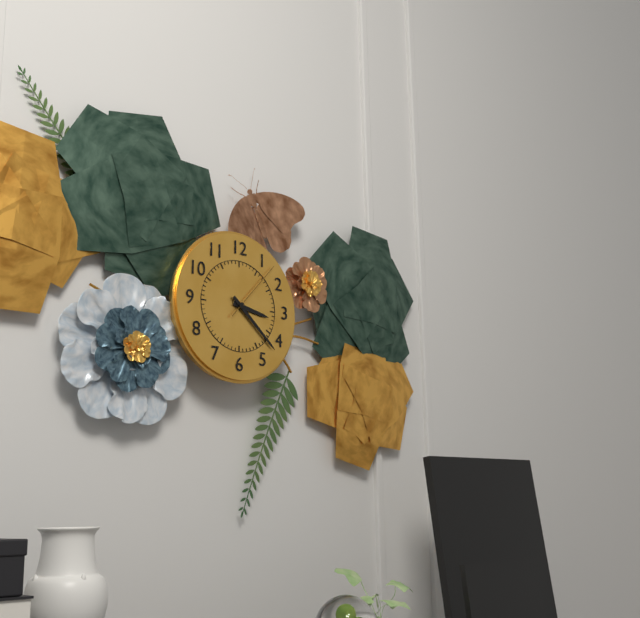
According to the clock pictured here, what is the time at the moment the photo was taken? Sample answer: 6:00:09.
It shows 3:22:07
